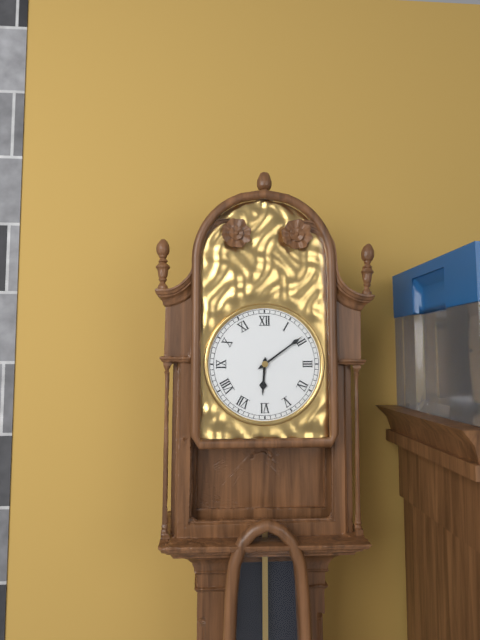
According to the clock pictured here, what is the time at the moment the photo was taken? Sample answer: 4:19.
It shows 6:09
